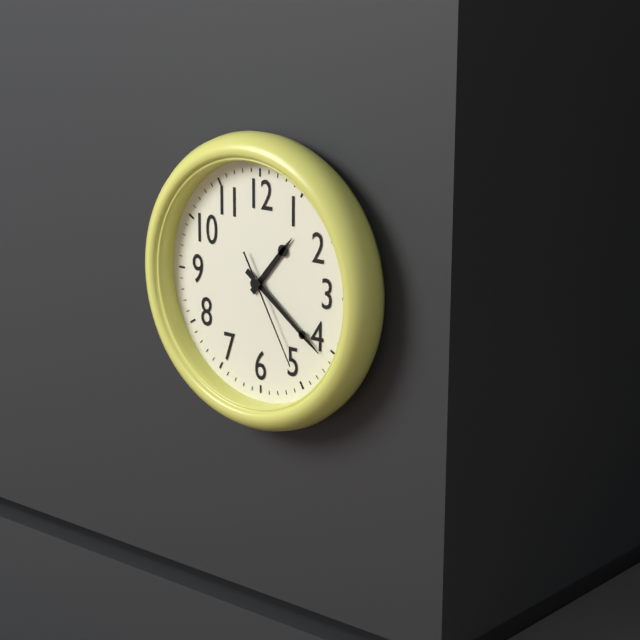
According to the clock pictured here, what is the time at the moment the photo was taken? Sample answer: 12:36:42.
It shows 1:21:25
